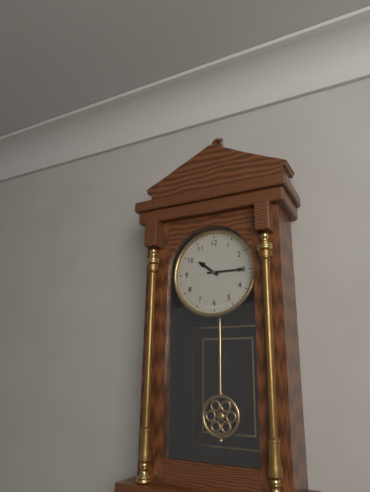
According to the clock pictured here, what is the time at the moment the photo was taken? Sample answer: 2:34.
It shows 10:15
